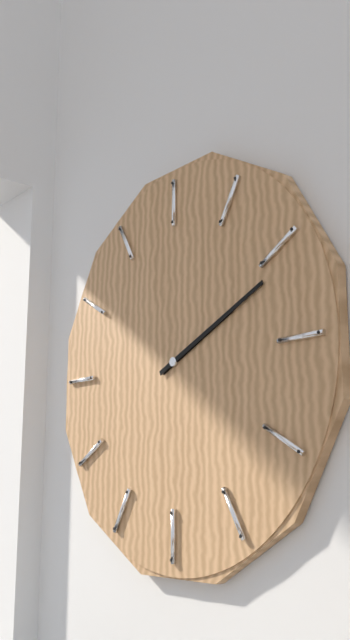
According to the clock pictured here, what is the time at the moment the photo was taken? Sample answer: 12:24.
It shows 2:11
